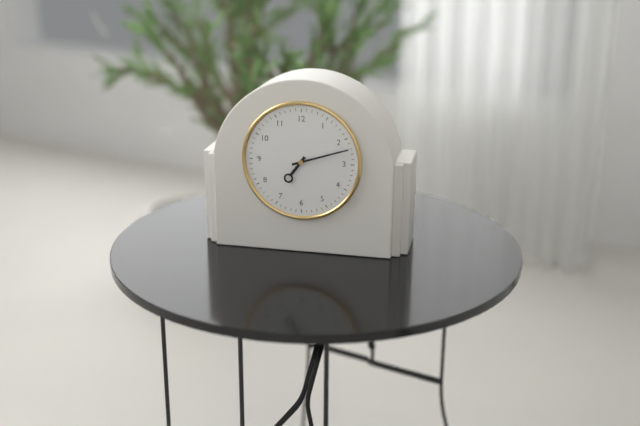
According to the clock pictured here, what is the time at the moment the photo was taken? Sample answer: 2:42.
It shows 7:12
